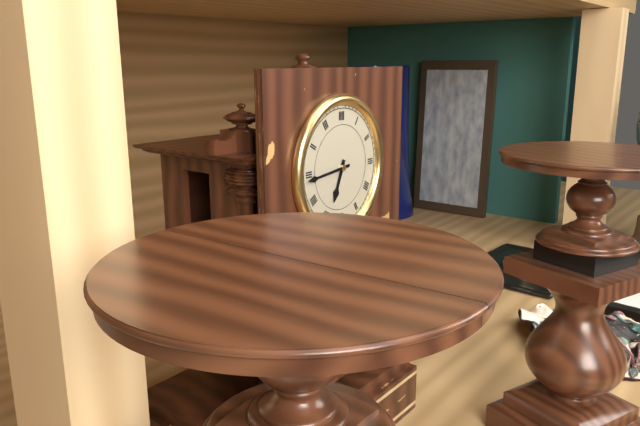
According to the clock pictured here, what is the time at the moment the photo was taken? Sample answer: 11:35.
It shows 6:44
